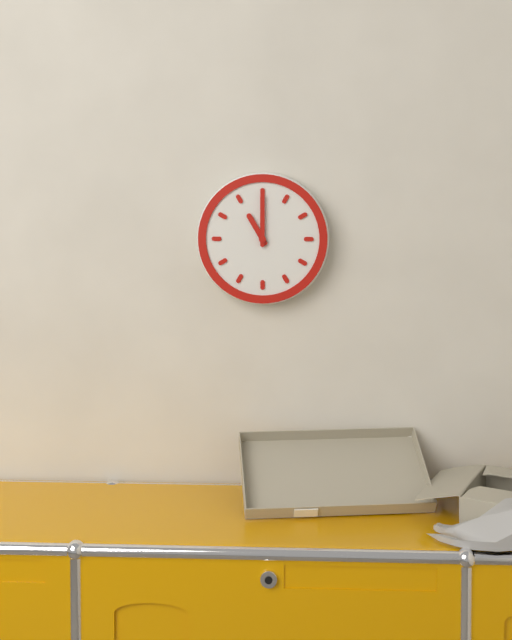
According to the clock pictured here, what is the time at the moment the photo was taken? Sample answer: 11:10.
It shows 11:00
